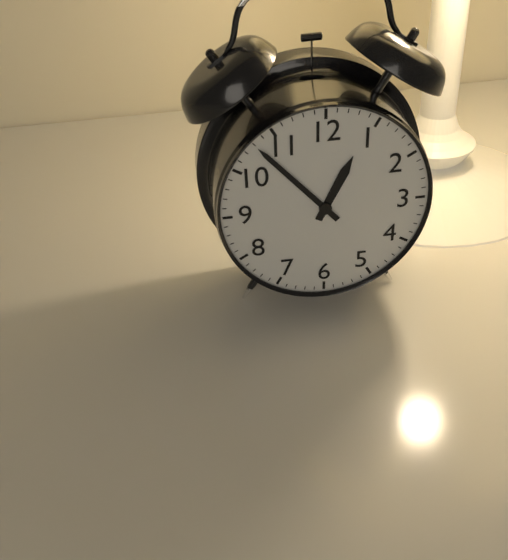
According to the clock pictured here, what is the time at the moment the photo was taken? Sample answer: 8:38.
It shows 12:53
